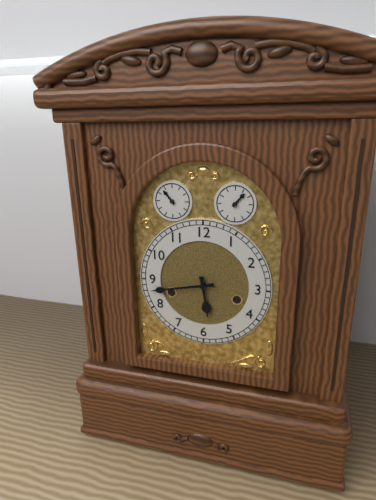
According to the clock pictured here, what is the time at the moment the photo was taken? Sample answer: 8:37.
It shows 5:43
